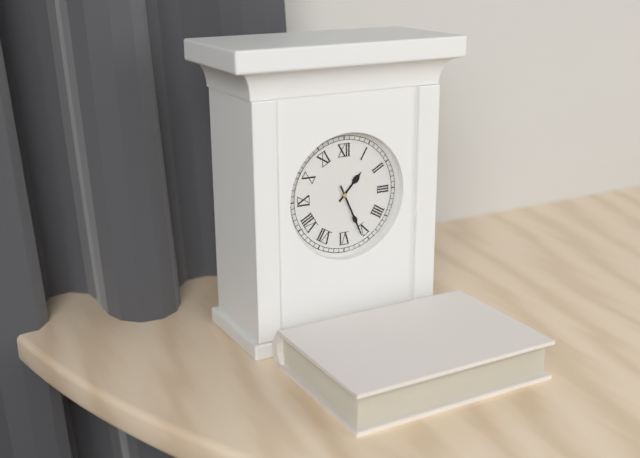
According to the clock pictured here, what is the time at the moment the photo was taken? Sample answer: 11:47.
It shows 1:26
